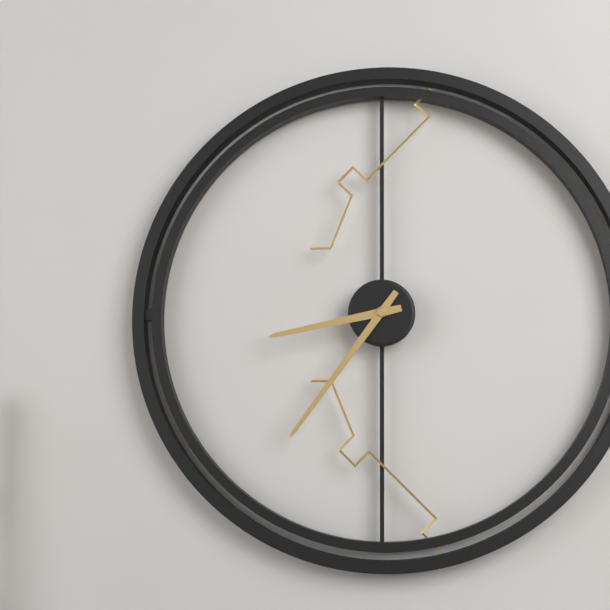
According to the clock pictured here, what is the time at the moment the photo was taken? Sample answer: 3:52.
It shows 8:36
